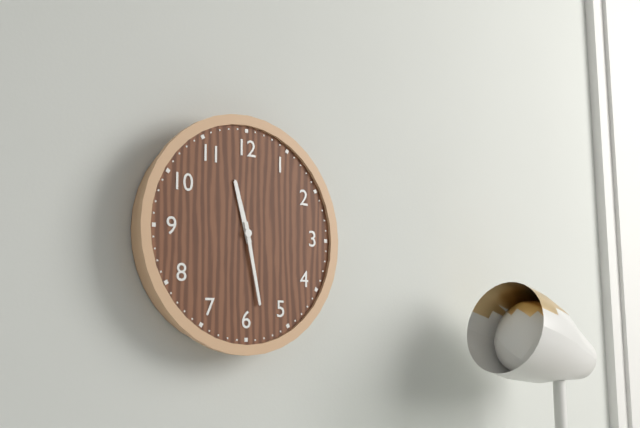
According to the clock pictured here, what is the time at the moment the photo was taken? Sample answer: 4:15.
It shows 11:28
